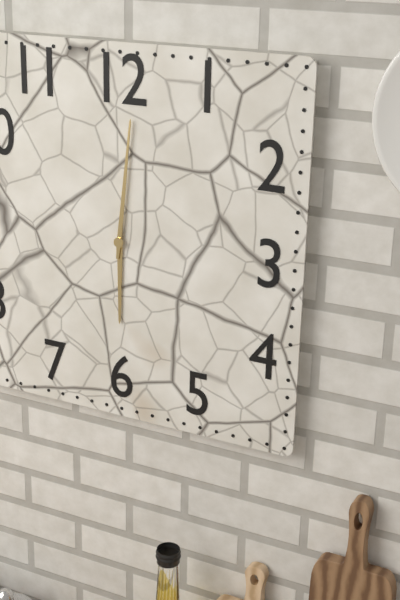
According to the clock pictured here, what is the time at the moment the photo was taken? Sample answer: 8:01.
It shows 6:01
